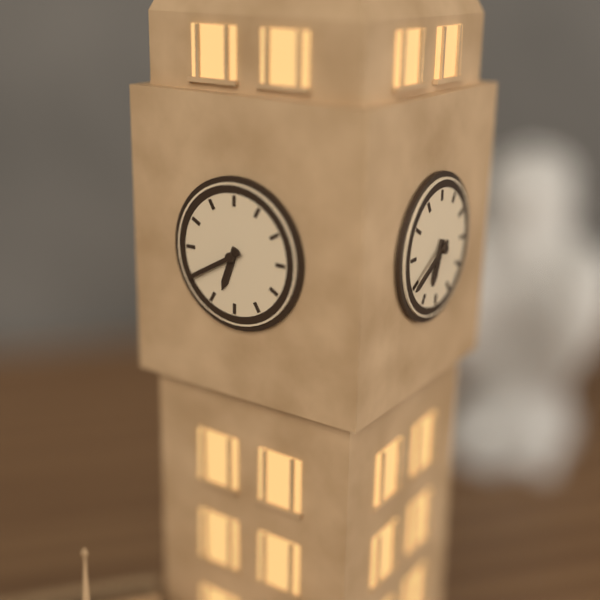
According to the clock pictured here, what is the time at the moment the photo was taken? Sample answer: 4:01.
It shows 6:40
